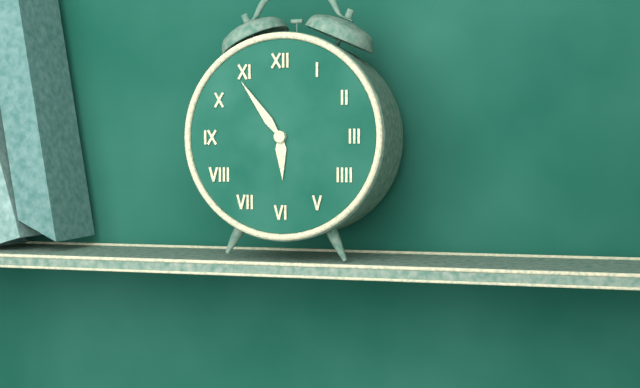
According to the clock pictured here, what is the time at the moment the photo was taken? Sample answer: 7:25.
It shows 5:54
